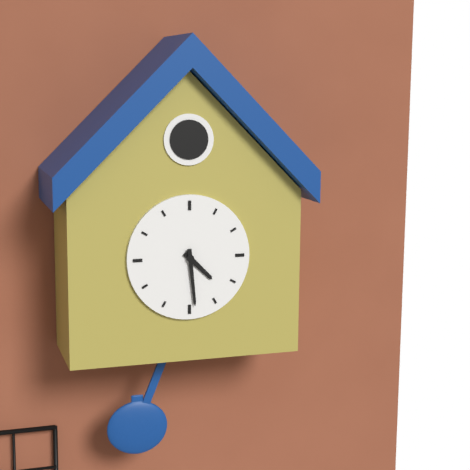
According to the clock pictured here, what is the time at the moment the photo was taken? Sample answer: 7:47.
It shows 4:29
